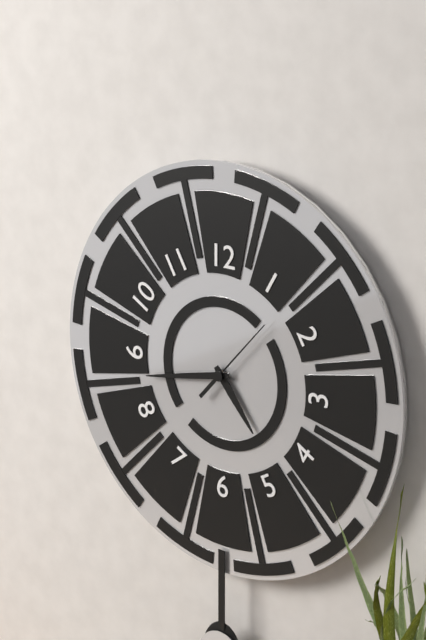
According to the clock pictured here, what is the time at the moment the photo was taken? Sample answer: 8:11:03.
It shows 4:43:07
